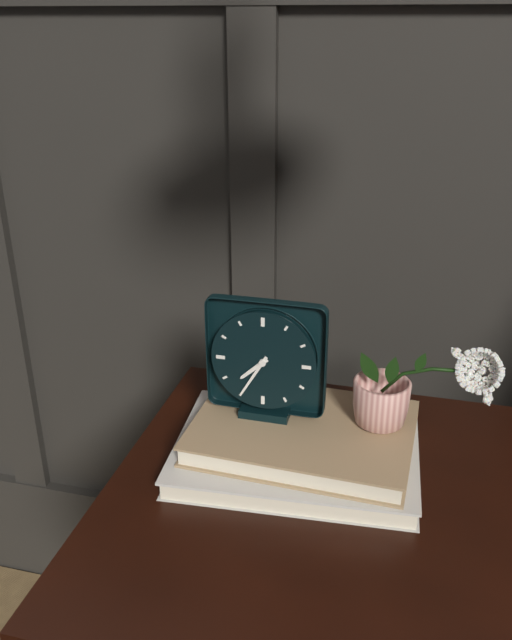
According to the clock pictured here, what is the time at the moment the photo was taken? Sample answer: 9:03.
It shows 7:35
